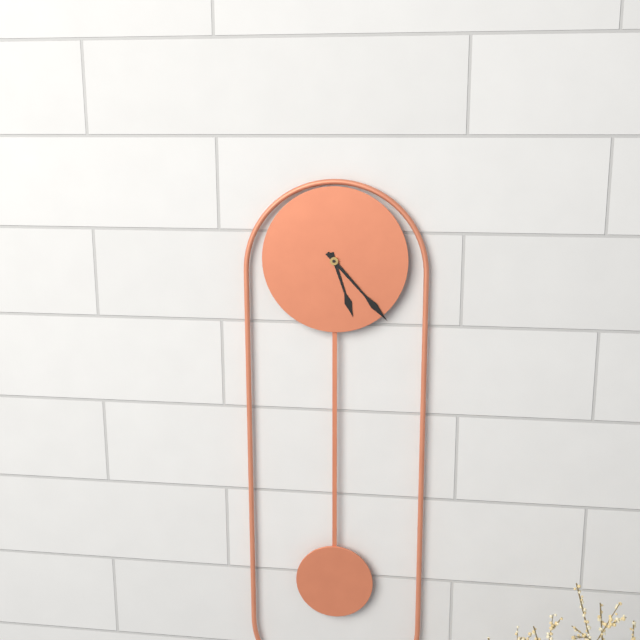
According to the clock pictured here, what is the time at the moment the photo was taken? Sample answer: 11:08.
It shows 5:23
